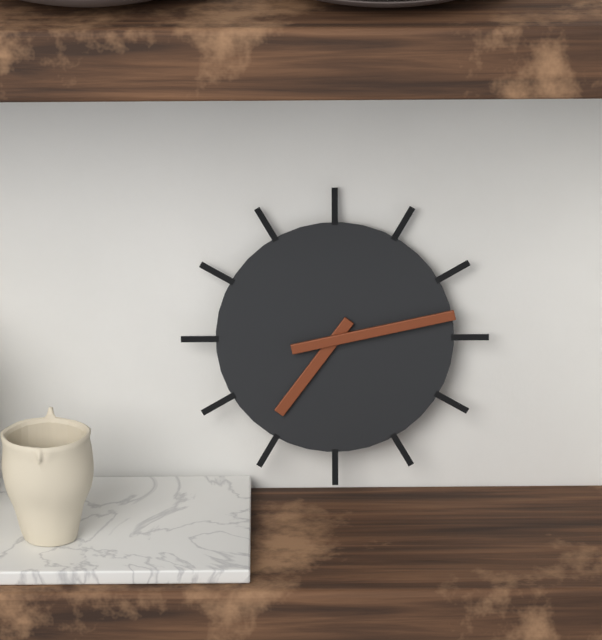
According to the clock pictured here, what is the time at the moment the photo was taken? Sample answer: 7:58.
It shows 7:13
